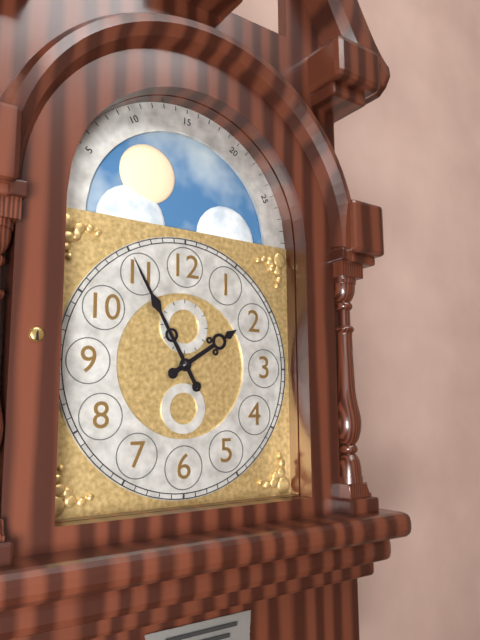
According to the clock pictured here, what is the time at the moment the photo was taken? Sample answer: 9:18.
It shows 1:55
